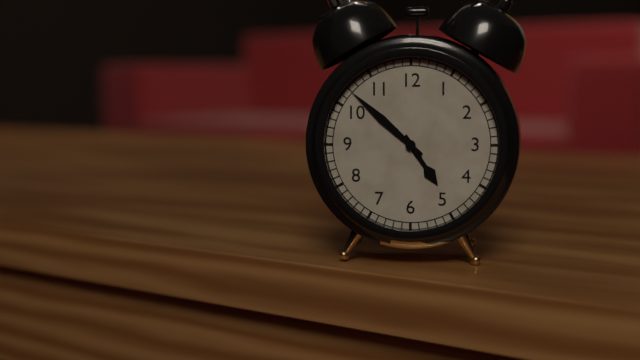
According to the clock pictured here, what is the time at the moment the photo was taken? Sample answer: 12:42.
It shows 4:52
